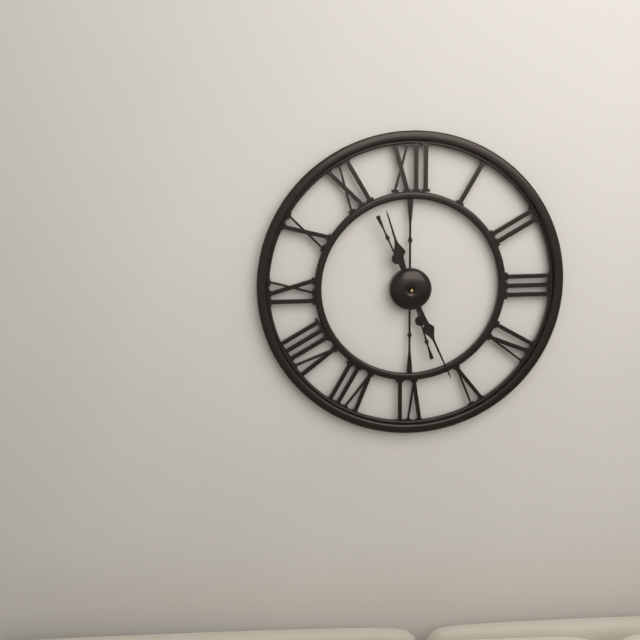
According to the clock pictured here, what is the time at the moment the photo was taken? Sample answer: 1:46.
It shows 11:26
